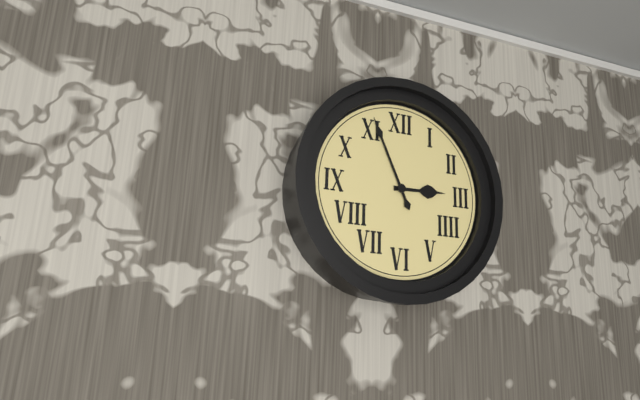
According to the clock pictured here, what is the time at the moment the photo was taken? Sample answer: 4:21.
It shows 2:56
